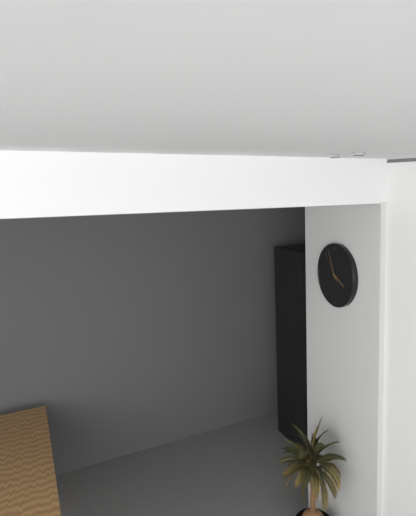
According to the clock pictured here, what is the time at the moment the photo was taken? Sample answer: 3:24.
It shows 3:56
